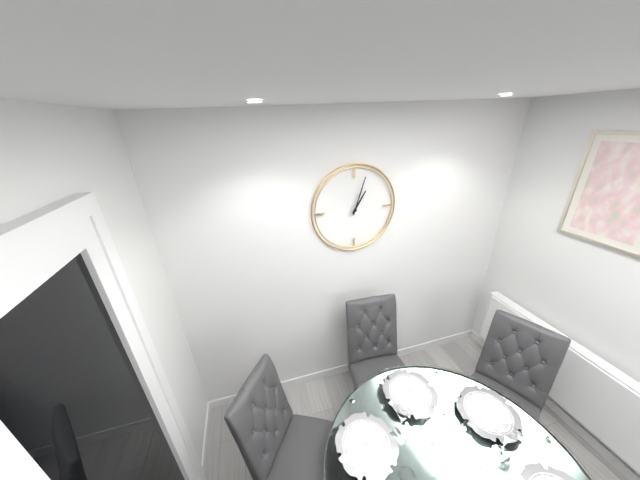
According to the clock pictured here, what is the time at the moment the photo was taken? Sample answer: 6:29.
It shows 1:03
